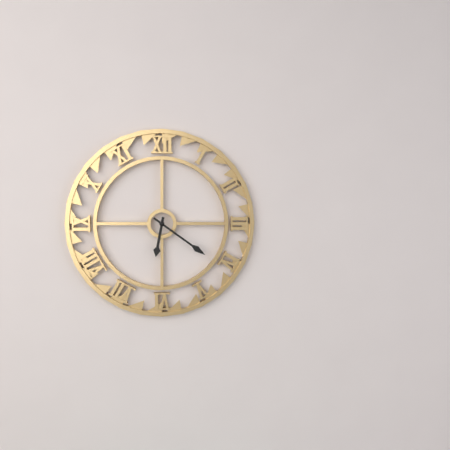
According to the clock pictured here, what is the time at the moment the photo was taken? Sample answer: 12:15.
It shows 6:21
